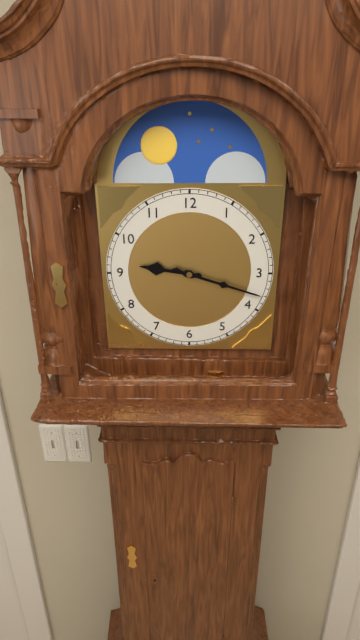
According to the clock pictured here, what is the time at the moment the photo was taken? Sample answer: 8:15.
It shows 9:18
